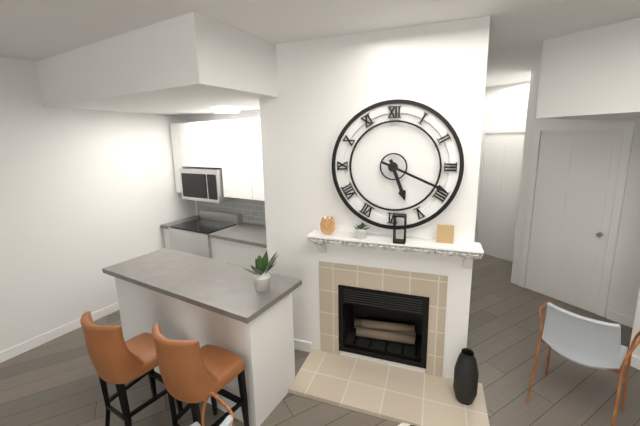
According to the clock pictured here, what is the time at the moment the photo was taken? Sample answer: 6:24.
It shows 5:19
